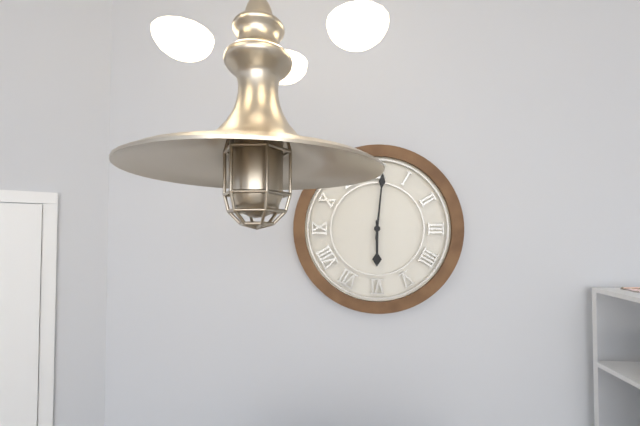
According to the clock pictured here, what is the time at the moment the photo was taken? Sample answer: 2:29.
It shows 6:01
